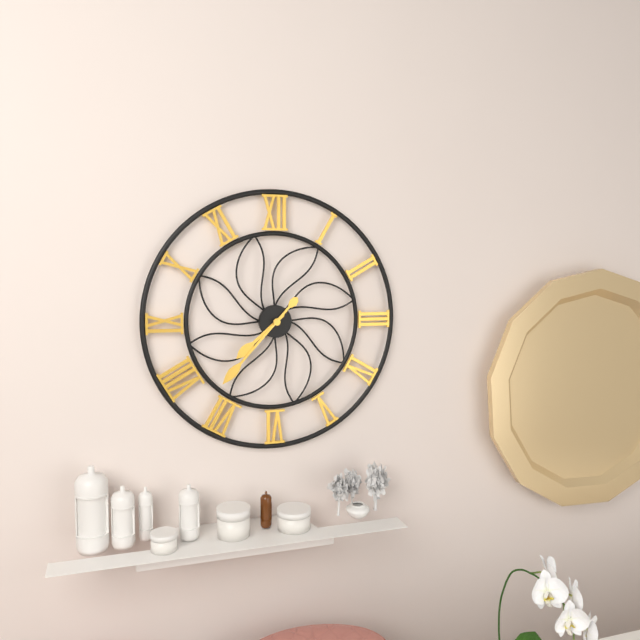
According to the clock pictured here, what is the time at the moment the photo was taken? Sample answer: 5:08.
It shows 7:37
